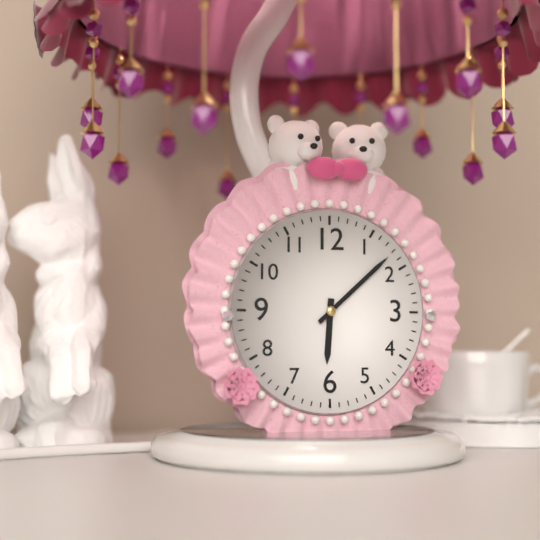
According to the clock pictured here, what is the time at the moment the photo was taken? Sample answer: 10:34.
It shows 6:08
